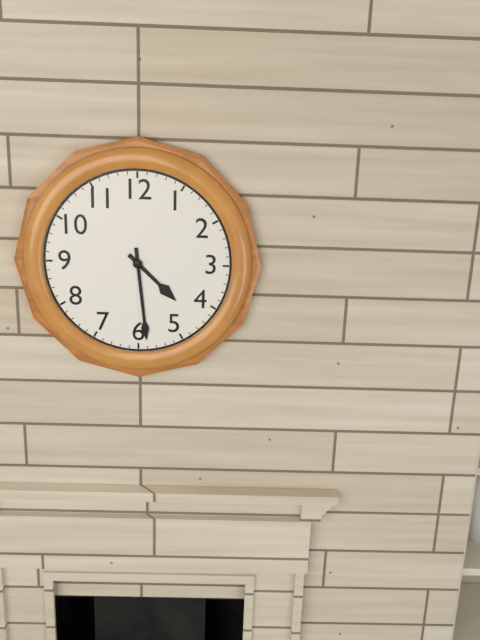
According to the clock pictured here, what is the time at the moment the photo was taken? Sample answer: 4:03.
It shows 4:29
